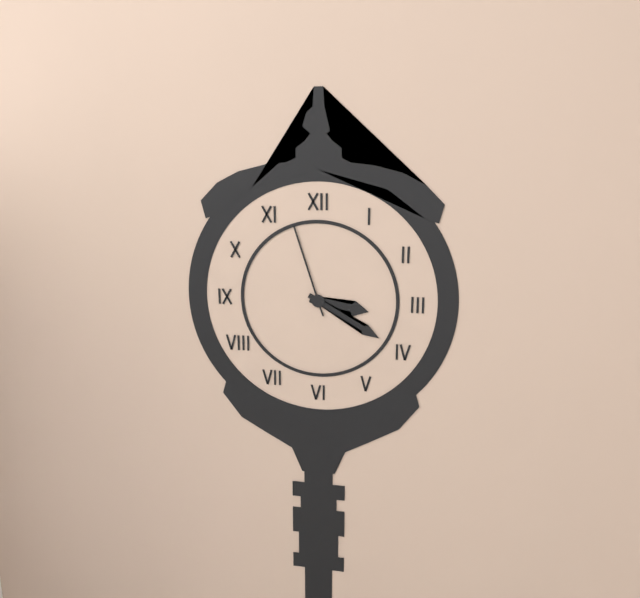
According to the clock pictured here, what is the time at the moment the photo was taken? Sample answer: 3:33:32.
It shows 3:20:57
